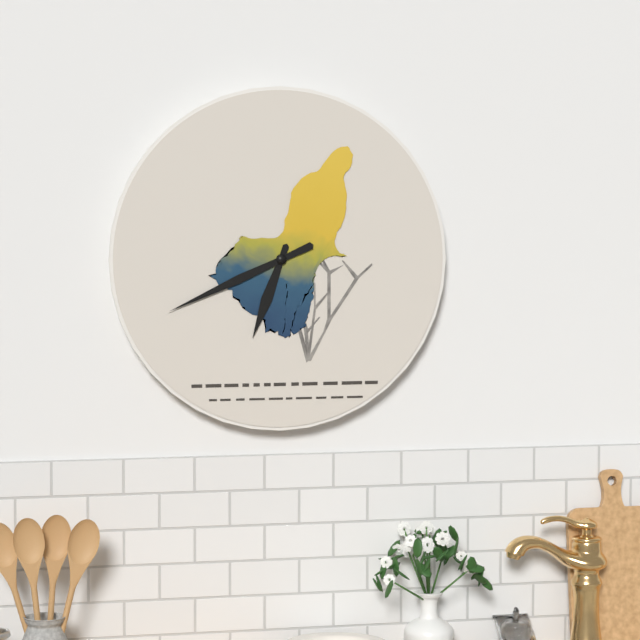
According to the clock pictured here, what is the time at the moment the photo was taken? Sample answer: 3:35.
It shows 6:41
